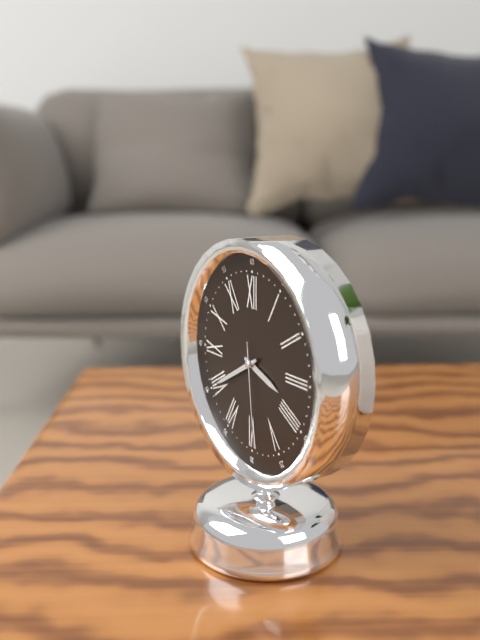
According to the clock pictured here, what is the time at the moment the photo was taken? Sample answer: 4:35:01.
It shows 3:40:29
